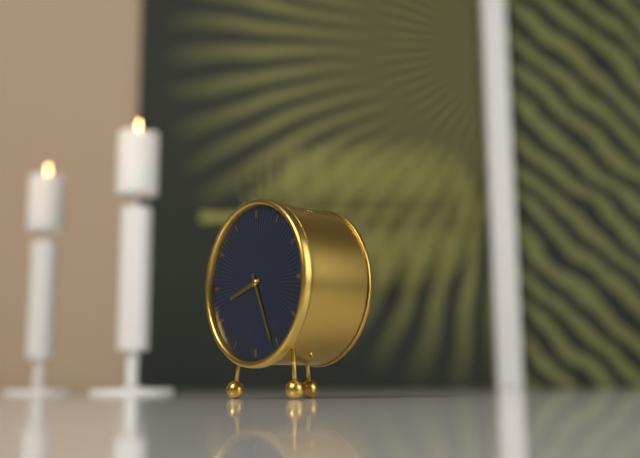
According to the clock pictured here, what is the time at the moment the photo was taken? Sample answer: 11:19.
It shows 8:26
